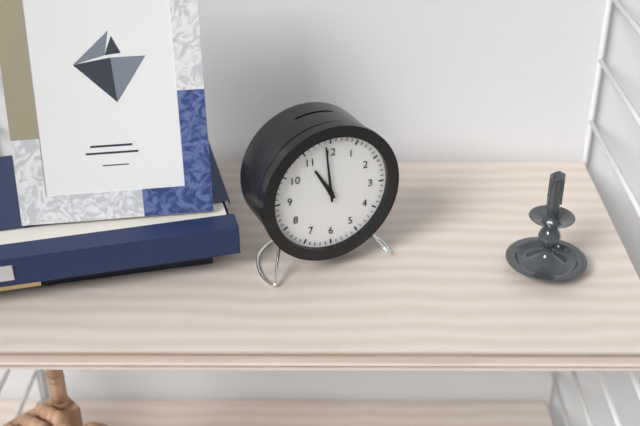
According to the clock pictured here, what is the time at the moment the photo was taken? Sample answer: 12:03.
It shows 10:59
